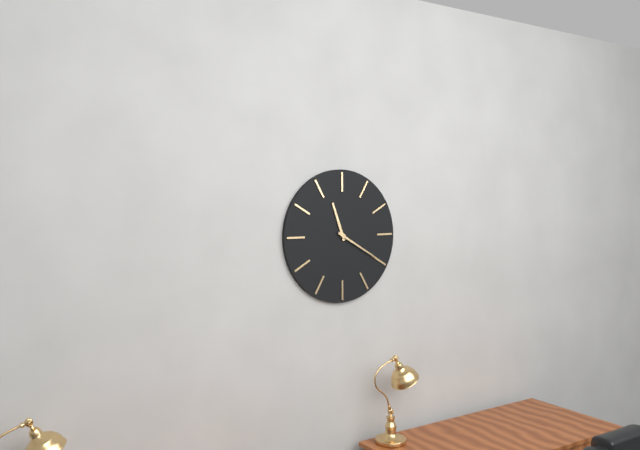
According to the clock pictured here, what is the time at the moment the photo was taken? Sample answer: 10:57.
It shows 11:20
